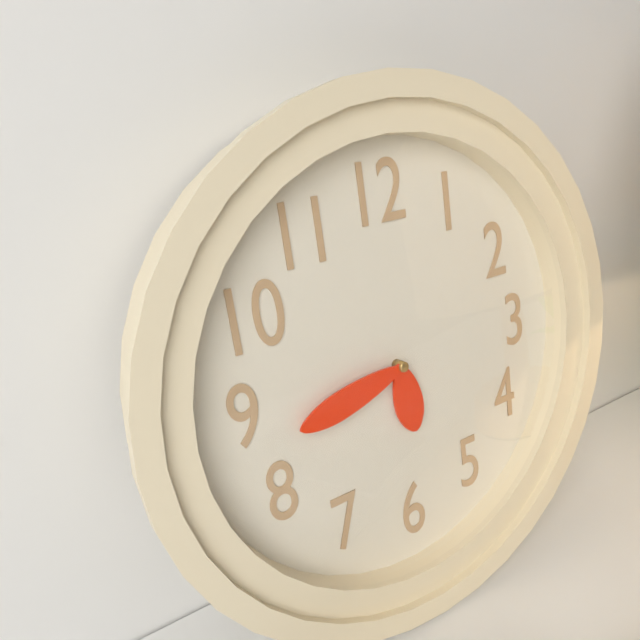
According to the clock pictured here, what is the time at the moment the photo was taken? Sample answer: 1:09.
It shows 5:43
